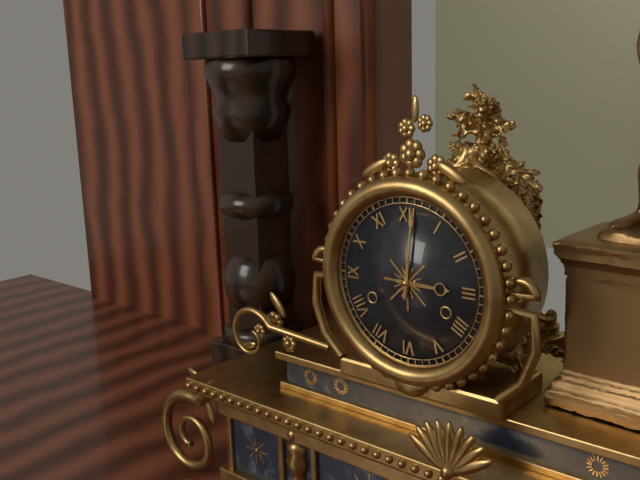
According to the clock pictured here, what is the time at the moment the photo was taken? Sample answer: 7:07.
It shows 3:01
